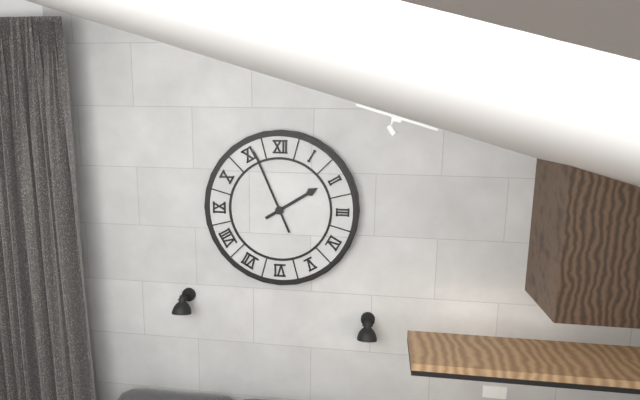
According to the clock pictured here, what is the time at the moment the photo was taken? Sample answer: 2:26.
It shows 1:56
